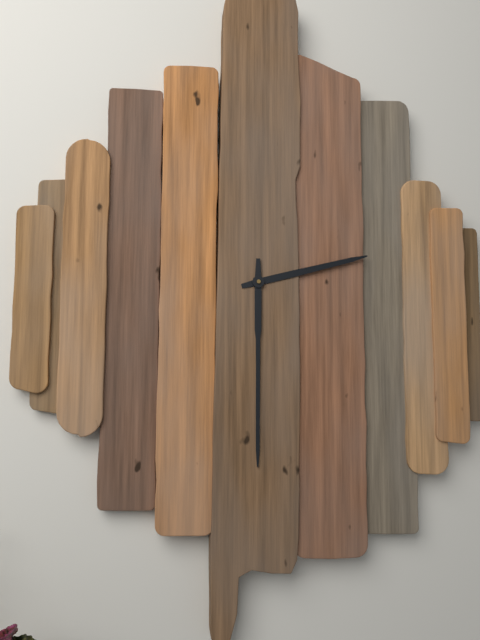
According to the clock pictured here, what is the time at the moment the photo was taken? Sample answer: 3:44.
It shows 2:30
